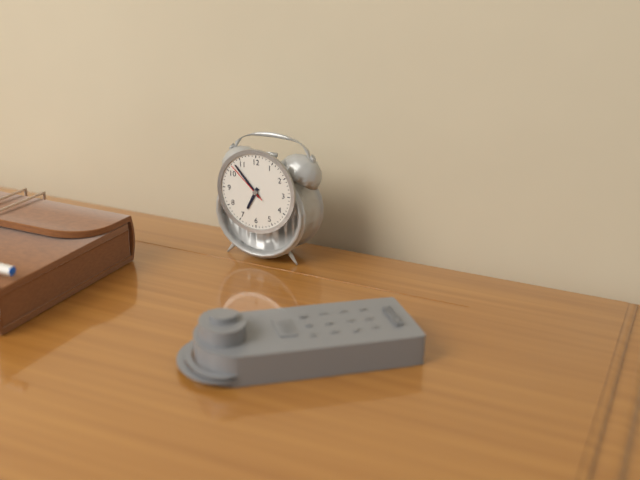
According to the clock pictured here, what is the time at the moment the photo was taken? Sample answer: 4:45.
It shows 6:53
